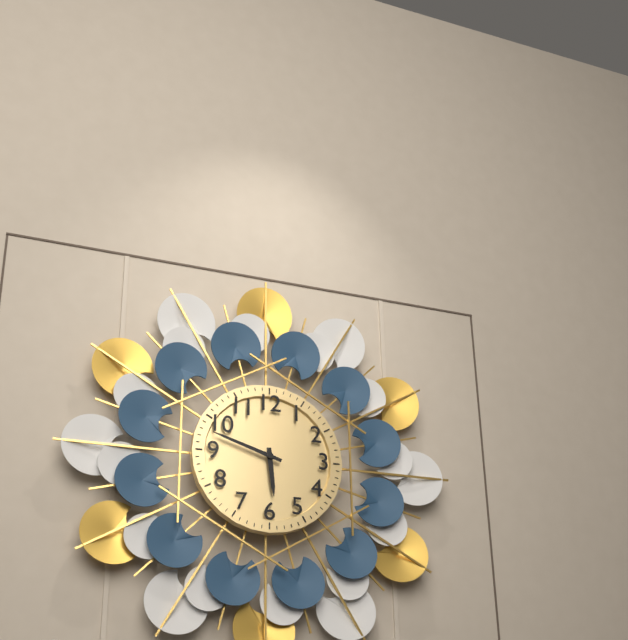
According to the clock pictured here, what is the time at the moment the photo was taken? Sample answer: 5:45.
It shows 5:48
